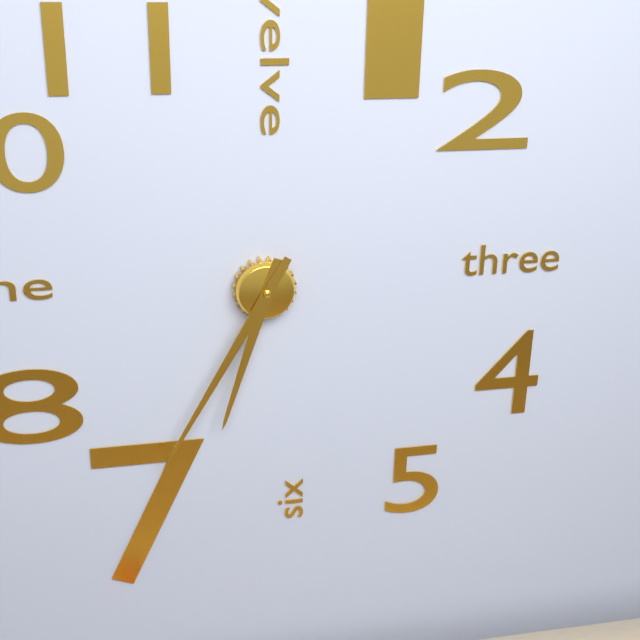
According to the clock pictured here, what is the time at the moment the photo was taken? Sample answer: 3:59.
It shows 6:35
